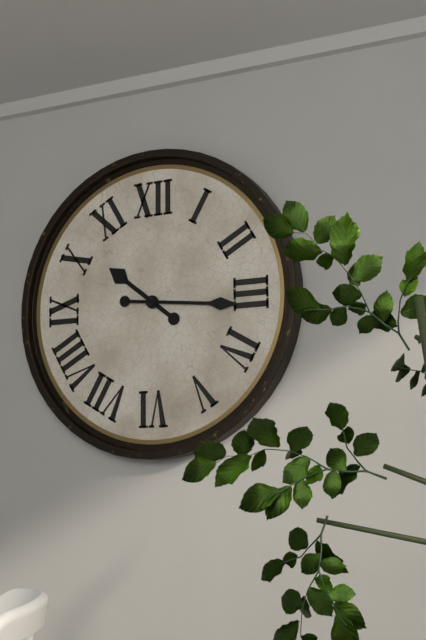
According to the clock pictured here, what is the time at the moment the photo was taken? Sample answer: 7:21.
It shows 10:16
